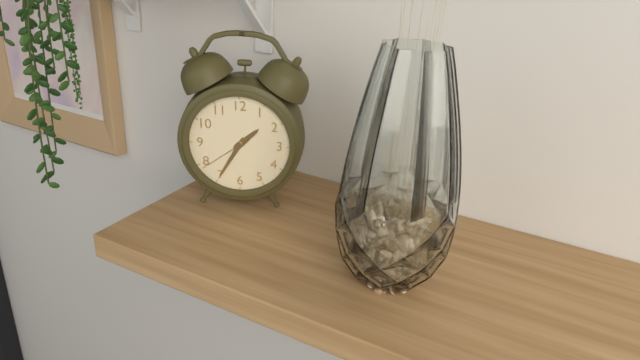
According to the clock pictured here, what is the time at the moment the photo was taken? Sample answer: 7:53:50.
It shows 1:35:39
